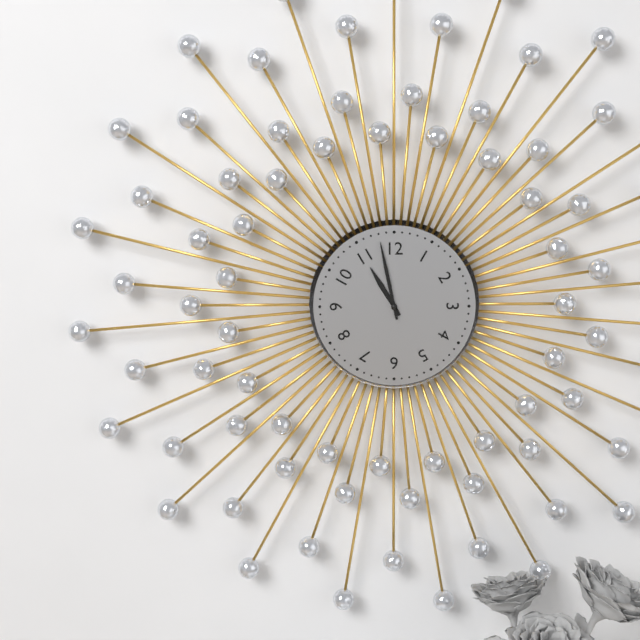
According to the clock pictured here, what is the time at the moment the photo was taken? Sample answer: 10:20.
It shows 10:58
